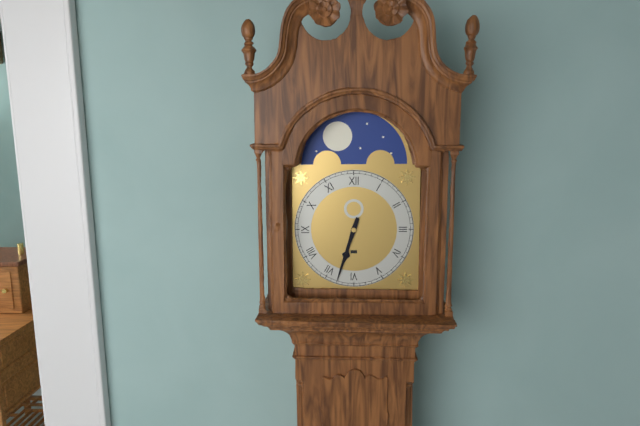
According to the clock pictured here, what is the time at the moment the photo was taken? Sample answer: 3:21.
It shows 6:33
